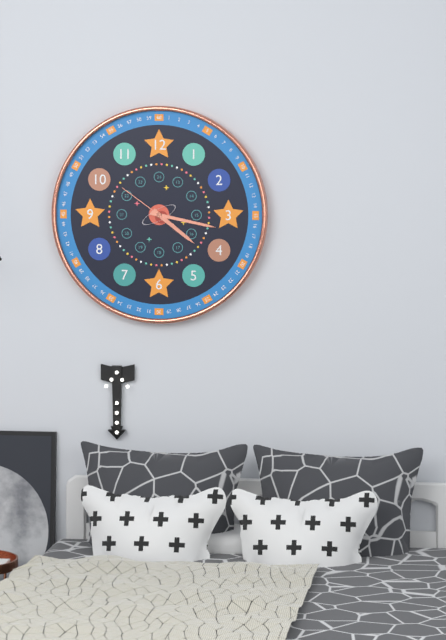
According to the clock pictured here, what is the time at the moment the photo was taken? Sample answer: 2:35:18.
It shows 4:17:51
